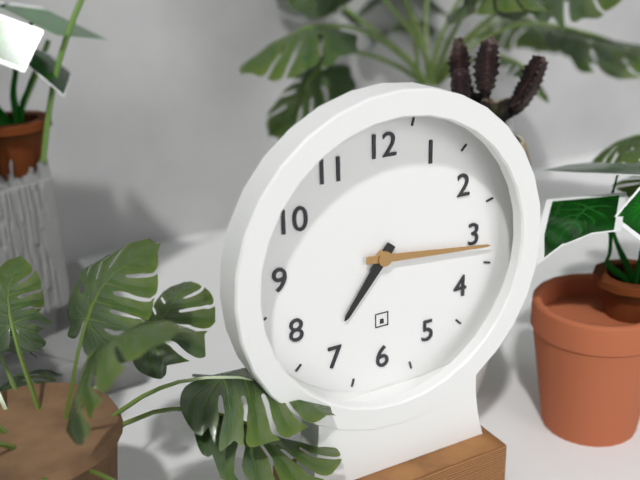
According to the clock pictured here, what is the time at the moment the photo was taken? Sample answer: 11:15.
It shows 7:16
